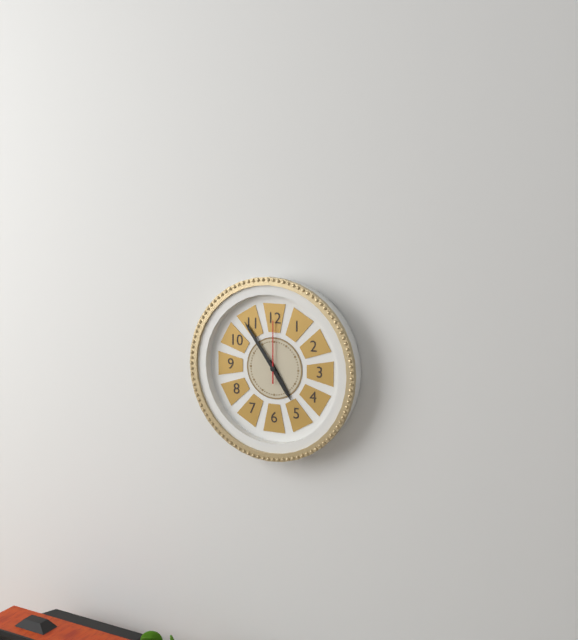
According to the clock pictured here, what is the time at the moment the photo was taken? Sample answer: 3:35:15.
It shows 4:54:00
